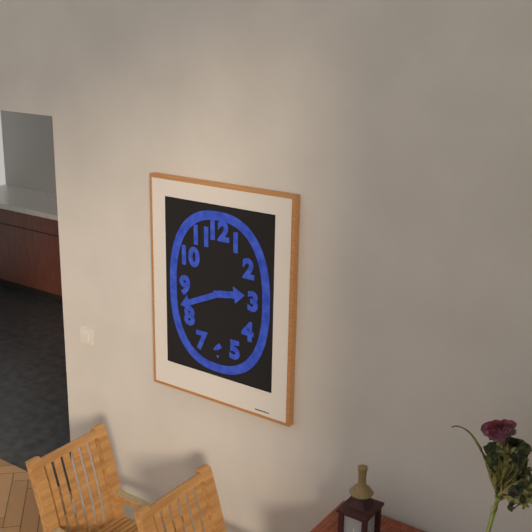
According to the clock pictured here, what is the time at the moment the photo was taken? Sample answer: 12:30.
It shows 2:41
